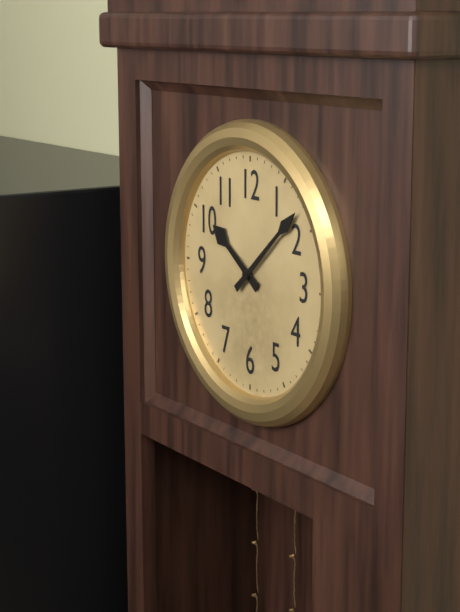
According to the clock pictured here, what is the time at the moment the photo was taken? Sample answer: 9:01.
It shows 10:08
